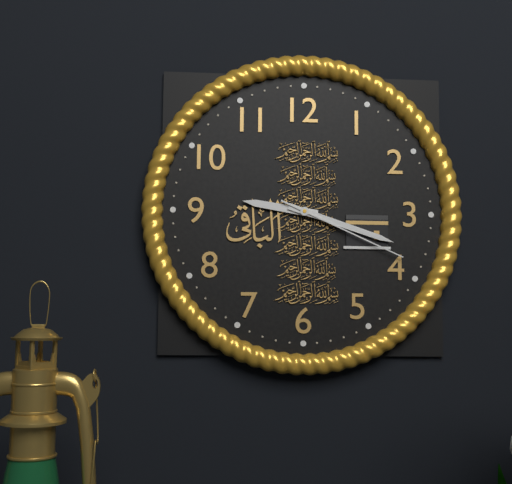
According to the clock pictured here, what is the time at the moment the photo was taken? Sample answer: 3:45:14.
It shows 9:18:19
